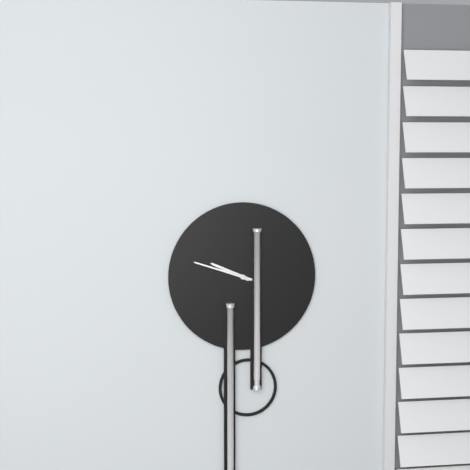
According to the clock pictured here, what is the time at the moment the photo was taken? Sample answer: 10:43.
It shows 9:48
